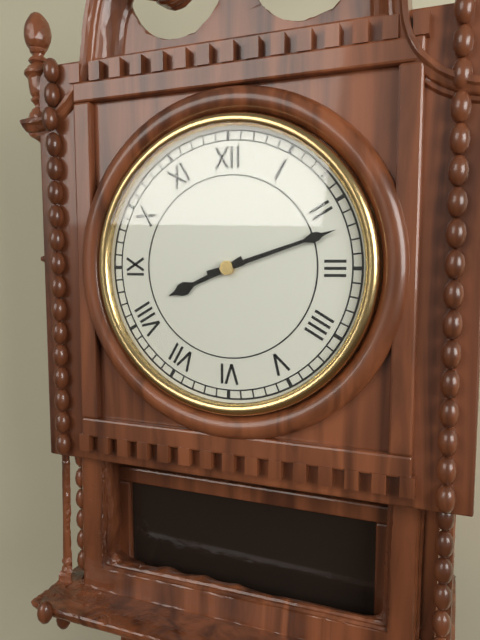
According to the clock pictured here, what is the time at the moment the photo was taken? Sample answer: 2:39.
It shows 8:12
